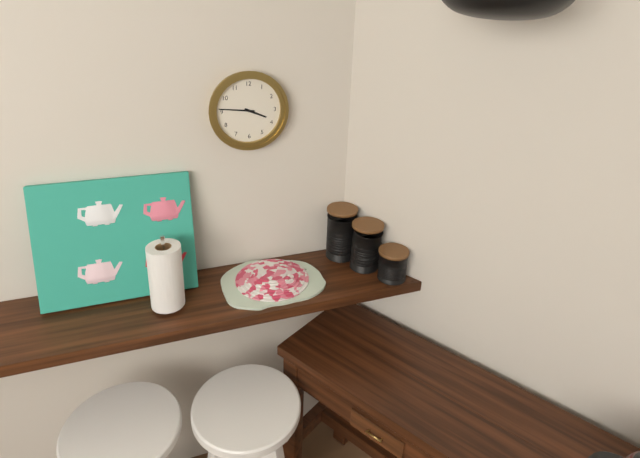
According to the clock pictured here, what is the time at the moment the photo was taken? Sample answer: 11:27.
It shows 3:46
